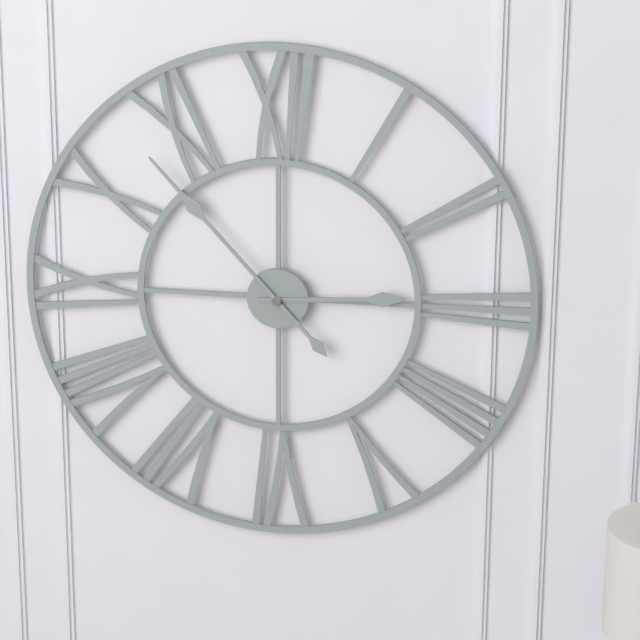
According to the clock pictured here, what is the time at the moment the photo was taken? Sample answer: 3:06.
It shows 2:53
